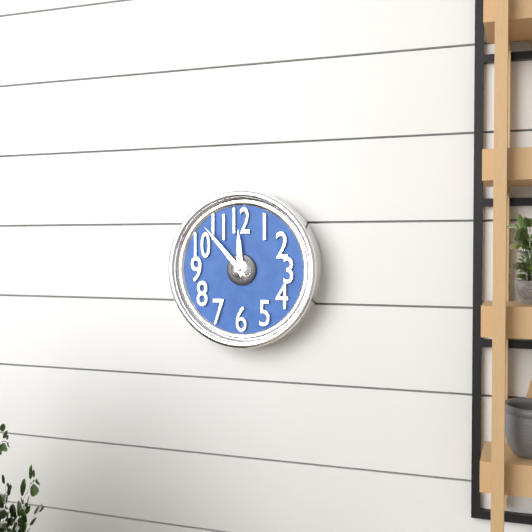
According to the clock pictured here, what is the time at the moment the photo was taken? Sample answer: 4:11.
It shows 11:53
